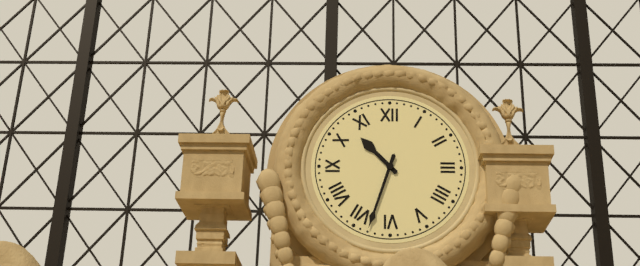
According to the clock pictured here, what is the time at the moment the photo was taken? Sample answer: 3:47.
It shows 10:33
